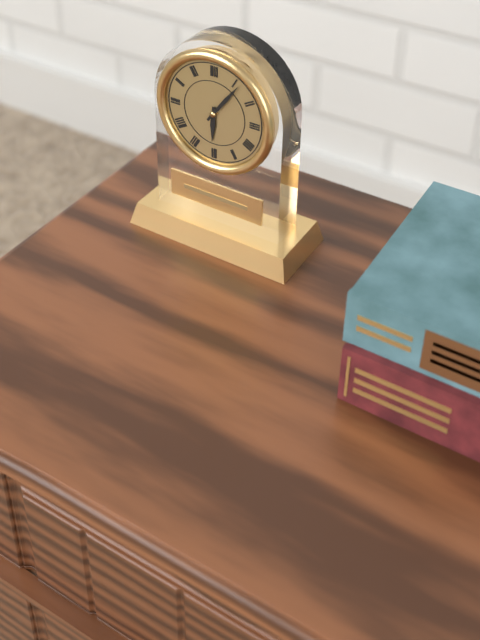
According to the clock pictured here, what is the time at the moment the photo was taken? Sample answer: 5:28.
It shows 6:06
